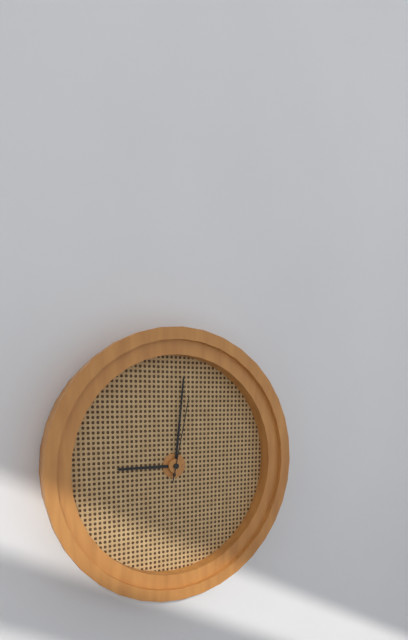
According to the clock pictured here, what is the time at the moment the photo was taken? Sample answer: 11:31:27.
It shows 9:01:02
